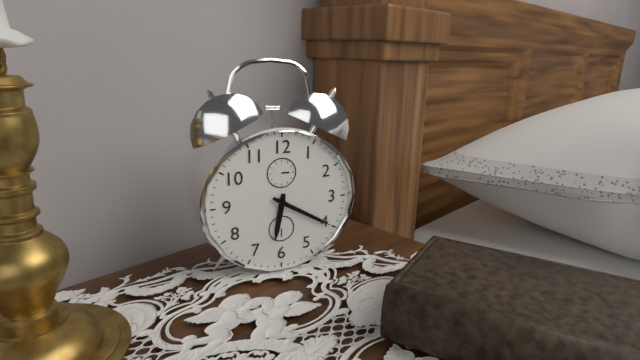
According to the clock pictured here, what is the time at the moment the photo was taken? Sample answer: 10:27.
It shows 6:20
